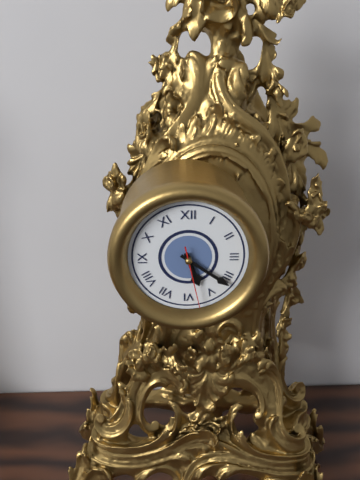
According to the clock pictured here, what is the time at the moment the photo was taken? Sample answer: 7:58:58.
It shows 5:21:28
